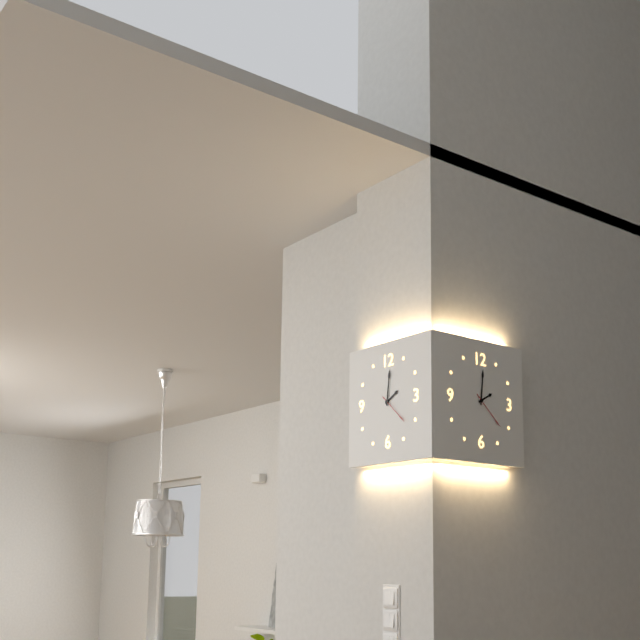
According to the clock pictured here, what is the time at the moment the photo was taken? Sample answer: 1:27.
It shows 2:01
